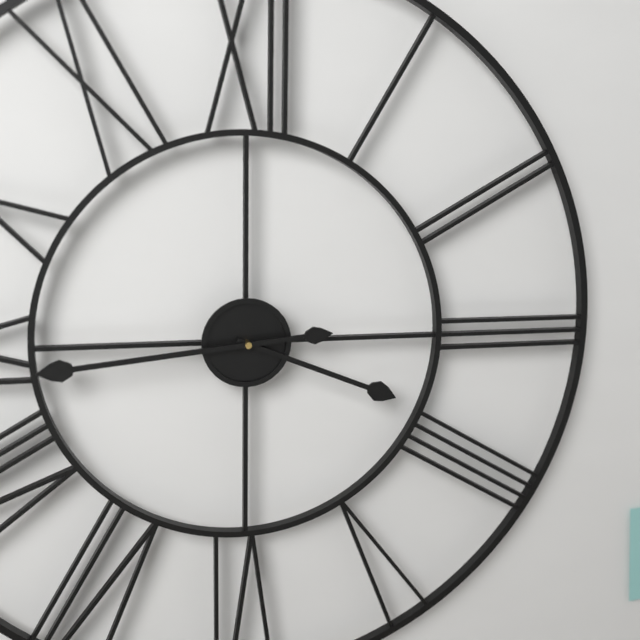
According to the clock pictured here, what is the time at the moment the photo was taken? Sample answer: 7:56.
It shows 3:44
